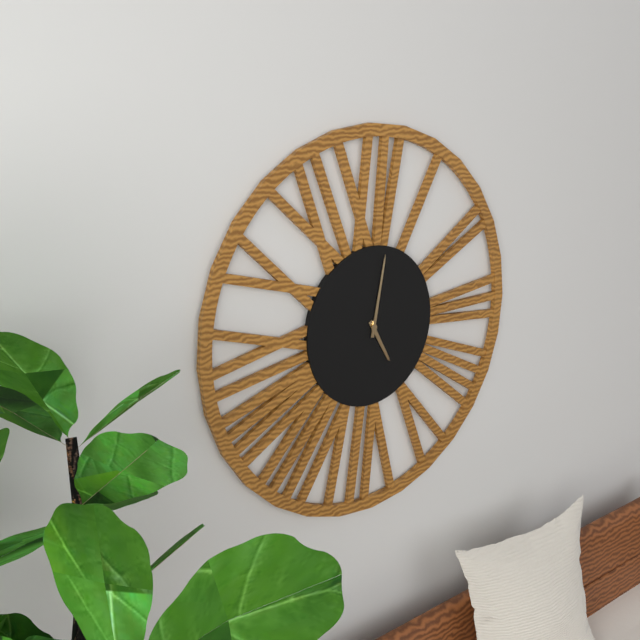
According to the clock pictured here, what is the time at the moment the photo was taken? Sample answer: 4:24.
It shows 5:02
